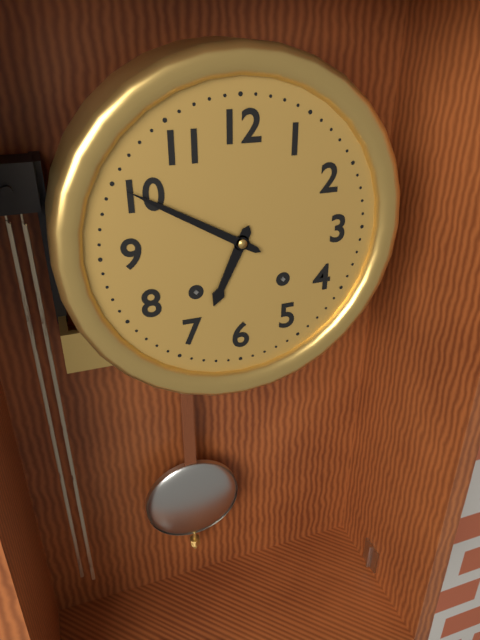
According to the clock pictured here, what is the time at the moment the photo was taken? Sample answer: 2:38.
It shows 6:50
